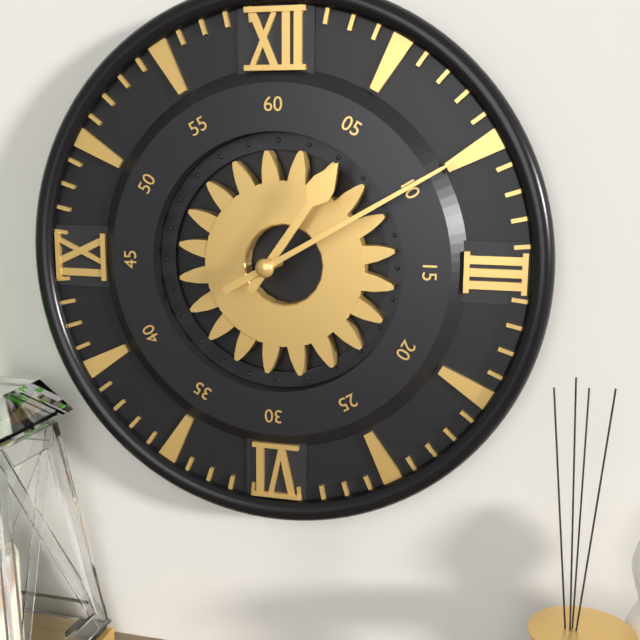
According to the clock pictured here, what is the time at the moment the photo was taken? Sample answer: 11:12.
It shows 1:10
